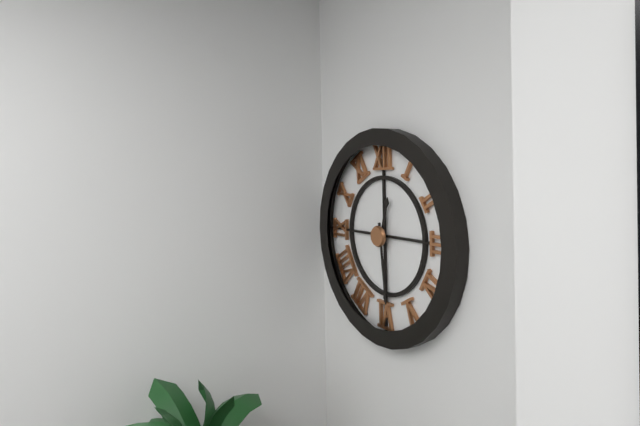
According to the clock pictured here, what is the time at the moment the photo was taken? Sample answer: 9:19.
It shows 12:29
